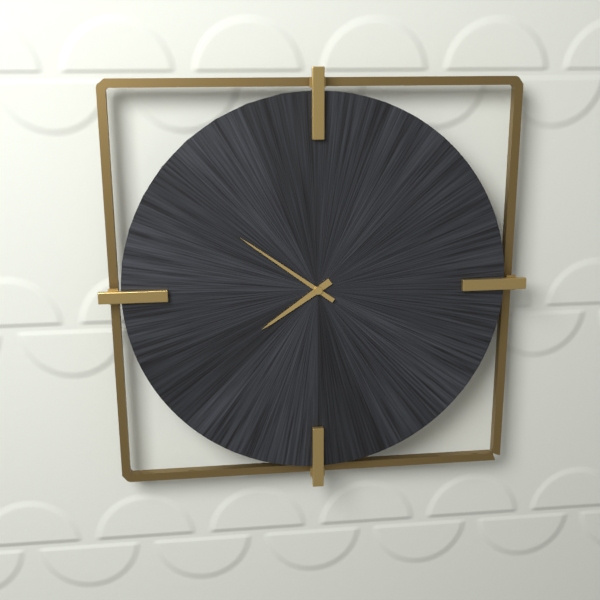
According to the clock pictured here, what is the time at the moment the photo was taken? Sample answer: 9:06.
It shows 7:51
